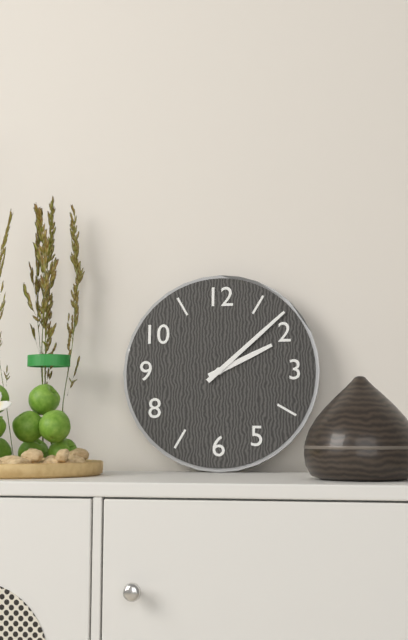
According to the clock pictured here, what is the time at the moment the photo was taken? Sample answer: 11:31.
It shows 2:08
